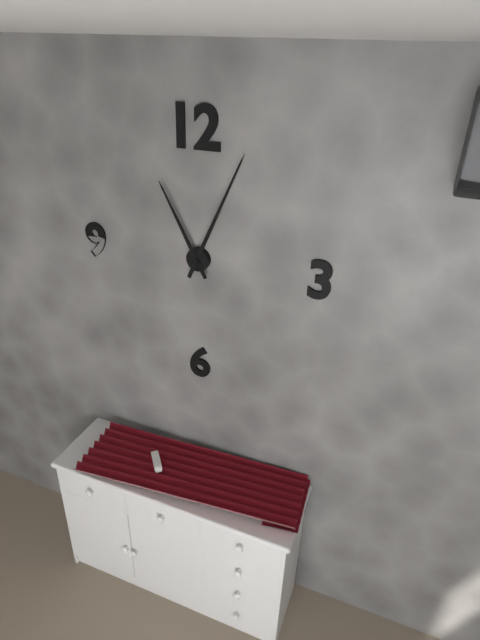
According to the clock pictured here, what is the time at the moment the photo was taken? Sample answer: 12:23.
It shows 11:04
